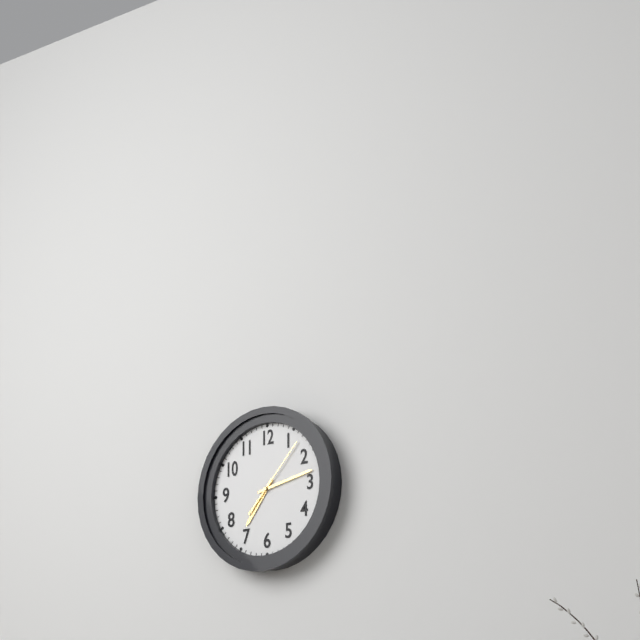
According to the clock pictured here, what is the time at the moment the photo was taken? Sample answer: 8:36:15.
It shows 7:13:07
